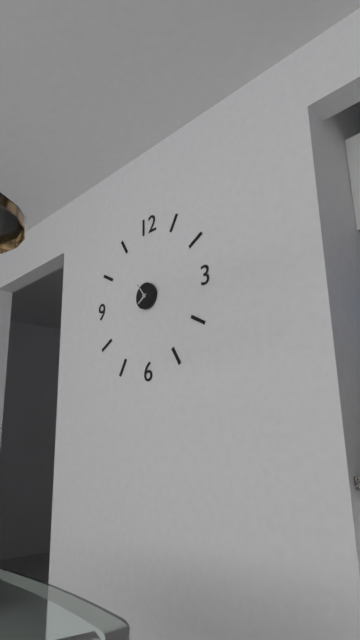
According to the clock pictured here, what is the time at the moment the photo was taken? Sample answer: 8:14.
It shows 7:54
